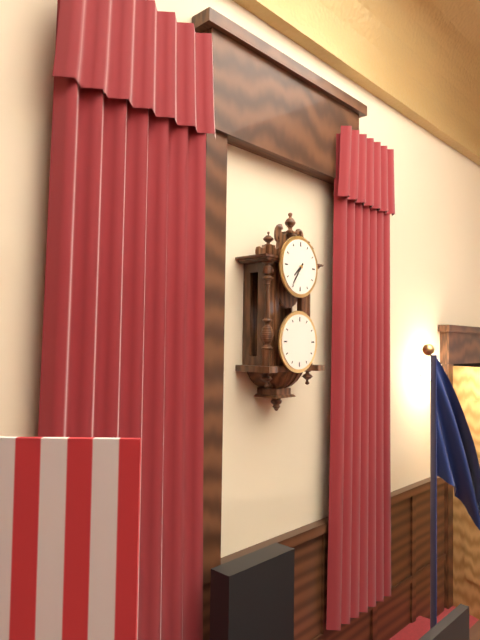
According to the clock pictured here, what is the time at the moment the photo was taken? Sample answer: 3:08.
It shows 7:36
